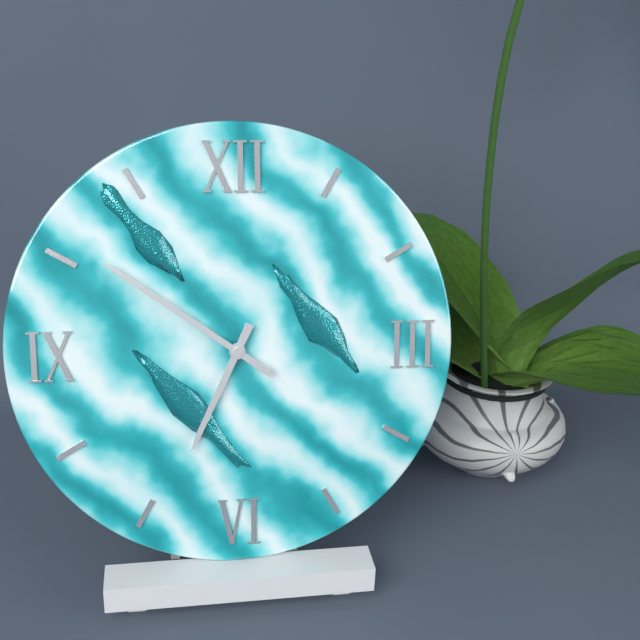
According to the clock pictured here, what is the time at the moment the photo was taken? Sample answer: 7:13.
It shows 6:51
